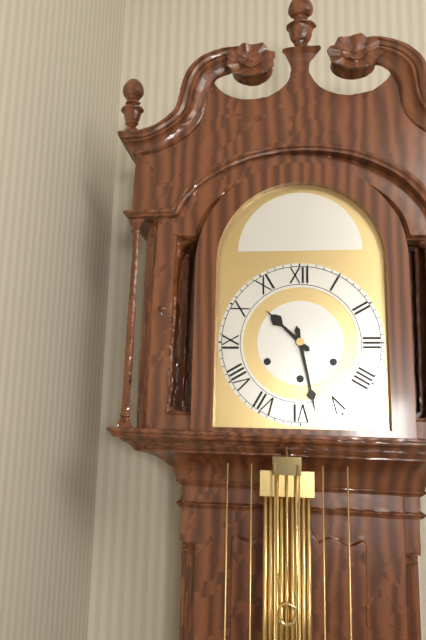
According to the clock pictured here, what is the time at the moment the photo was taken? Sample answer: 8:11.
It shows 10:28
